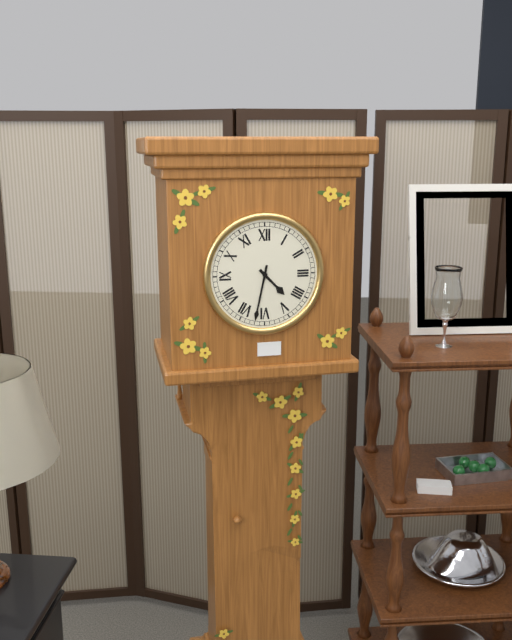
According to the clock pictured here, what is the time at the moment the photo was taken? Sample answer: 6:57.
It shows 4:32
